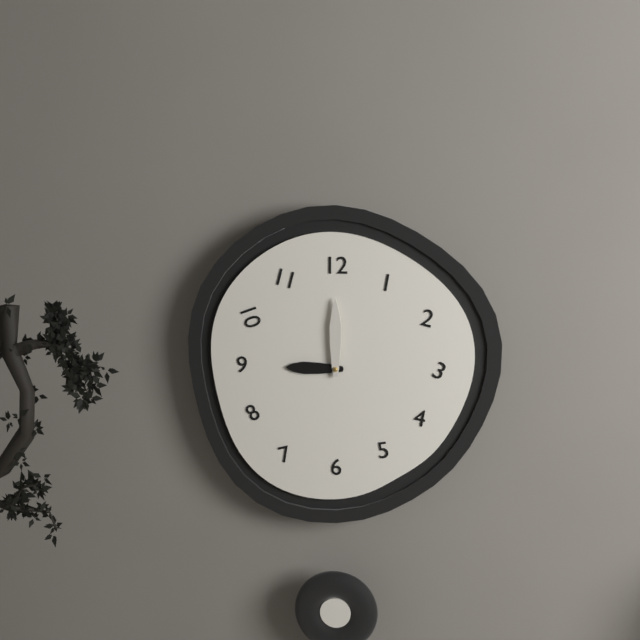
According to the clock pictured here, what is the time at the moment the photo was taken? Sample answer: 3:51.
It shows 9:00
